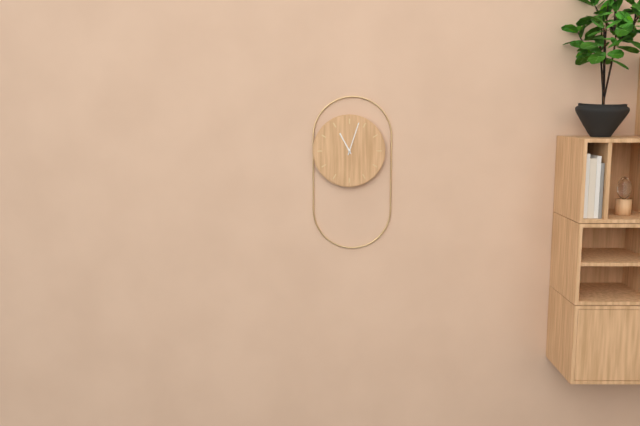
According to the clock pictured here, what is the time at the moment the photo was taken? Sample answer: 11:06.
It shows 11:03
